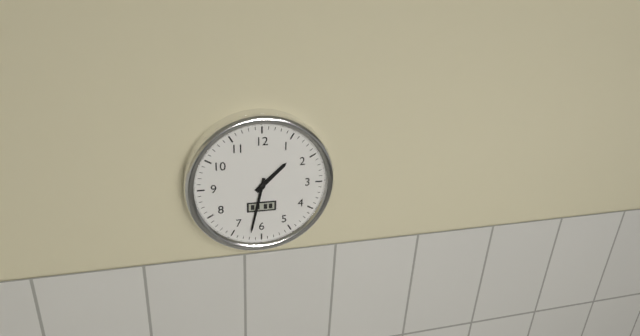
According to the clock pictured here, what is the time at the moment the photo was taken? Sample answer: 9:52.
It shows 1:32
